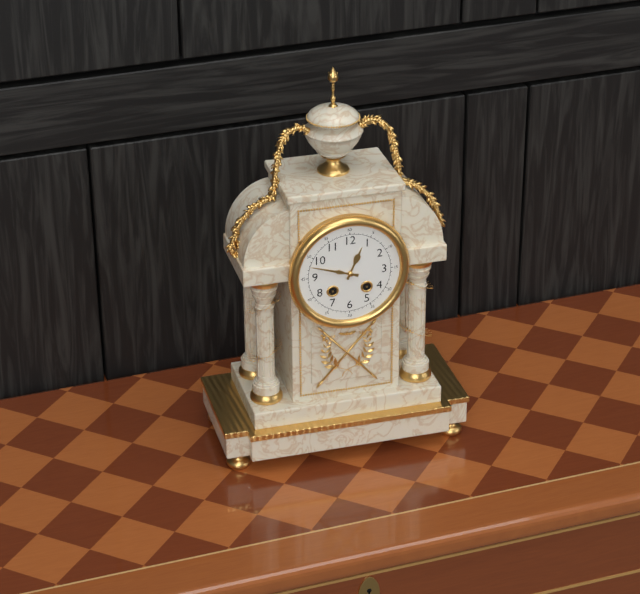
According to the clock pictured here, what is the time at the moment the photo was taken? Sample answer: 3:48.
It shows 12:48
